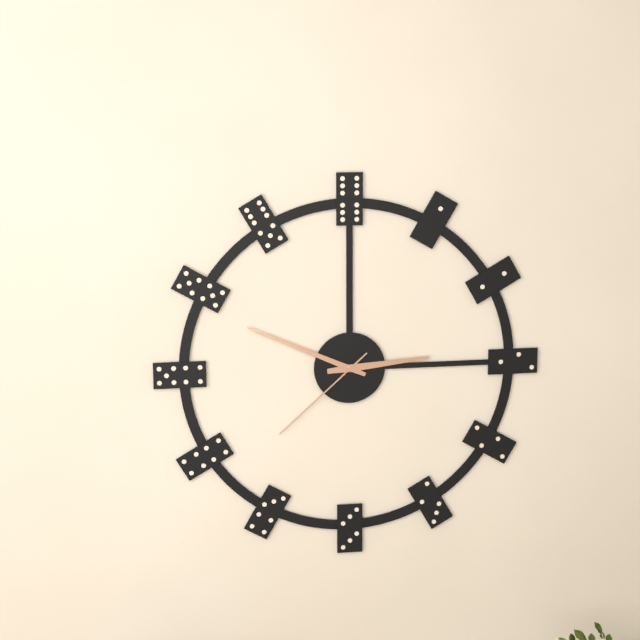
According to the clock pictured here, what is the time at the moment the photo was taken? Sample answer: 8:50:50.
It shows 2:49:38
